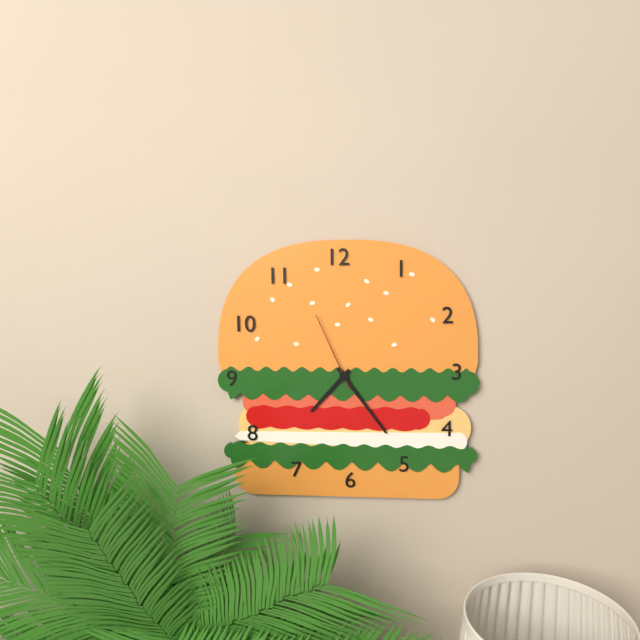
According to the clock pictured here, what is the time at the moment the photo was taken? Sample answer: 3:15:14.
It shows 7:24:56
